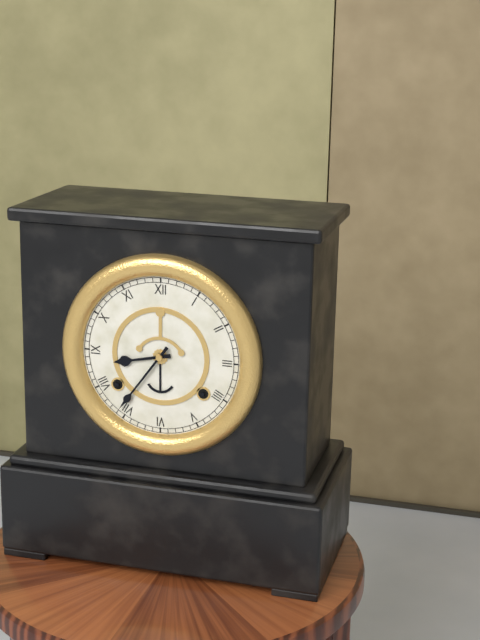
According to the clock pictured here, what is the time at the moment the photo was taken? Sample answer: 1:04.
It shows 8:36
